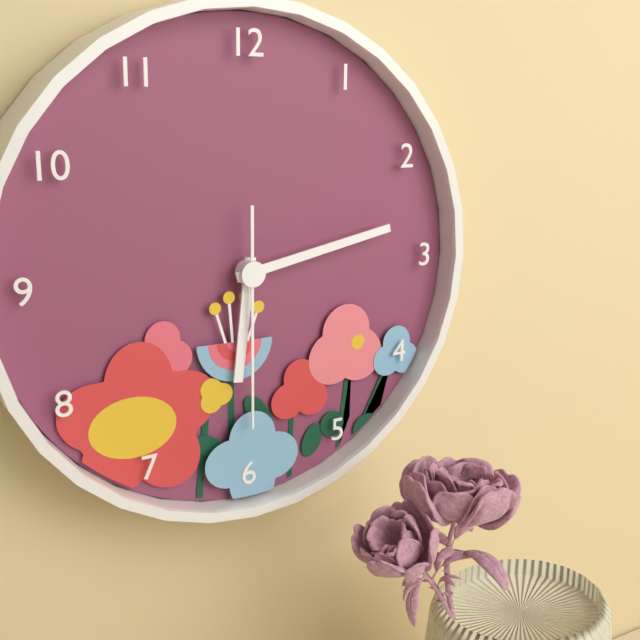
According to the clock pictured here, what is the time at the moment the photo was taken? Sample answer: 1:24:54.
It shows 6:13:30
